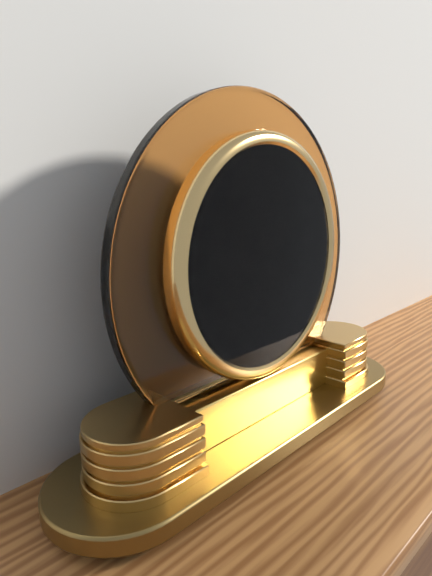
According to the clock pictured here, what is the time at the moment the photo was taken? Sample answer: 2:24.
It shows 8:23
